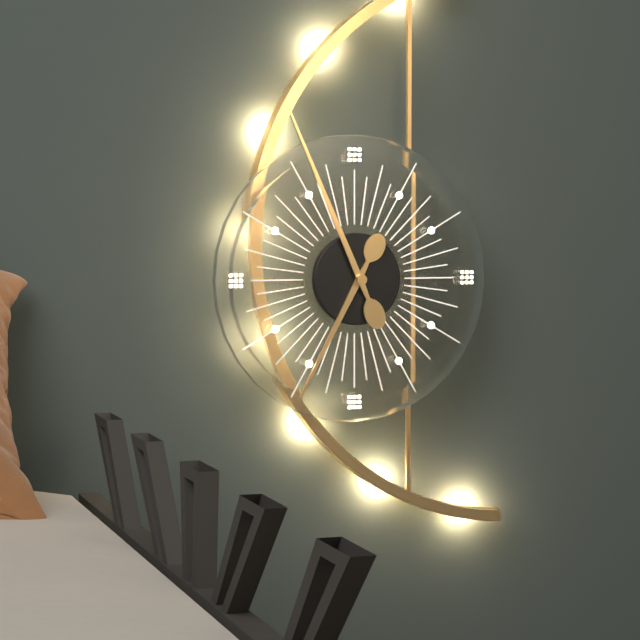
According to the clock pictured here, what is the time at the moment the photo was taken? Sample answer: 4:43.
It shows 6:56
